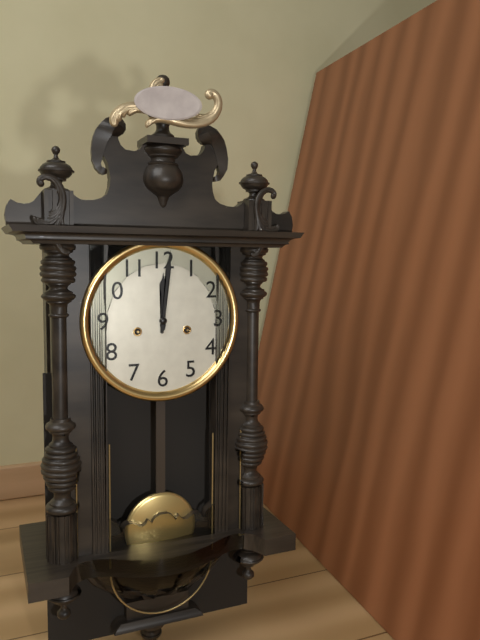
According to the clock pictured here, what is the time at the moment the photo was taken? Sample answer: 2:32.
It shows 12:01
